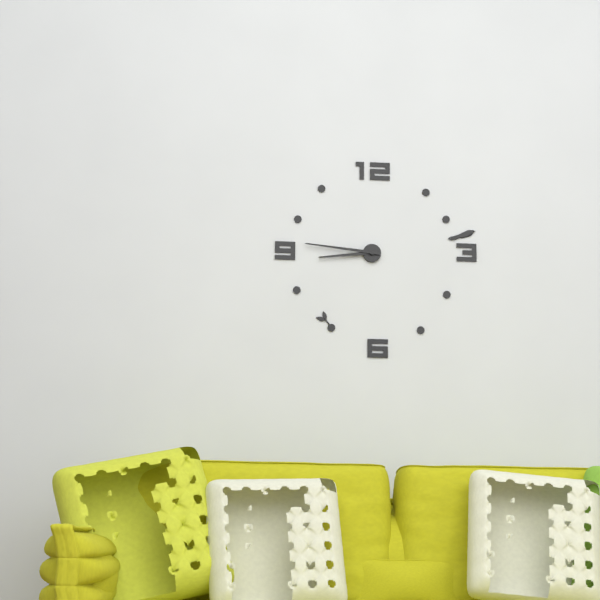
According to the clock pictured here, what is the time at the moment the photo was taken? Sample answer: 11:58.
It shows 8:46
